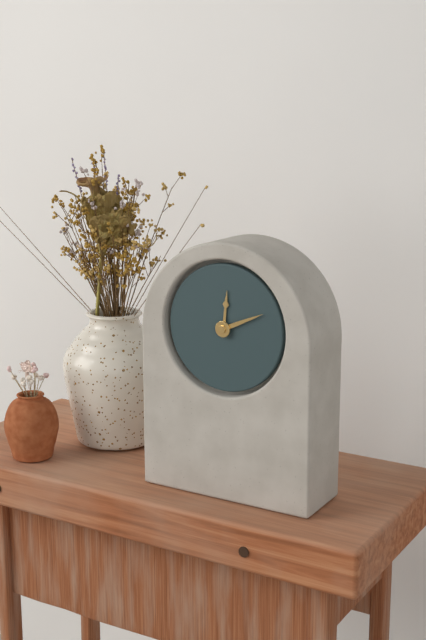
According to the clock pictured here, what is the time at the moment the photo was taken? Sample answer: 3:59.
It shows 12:11
